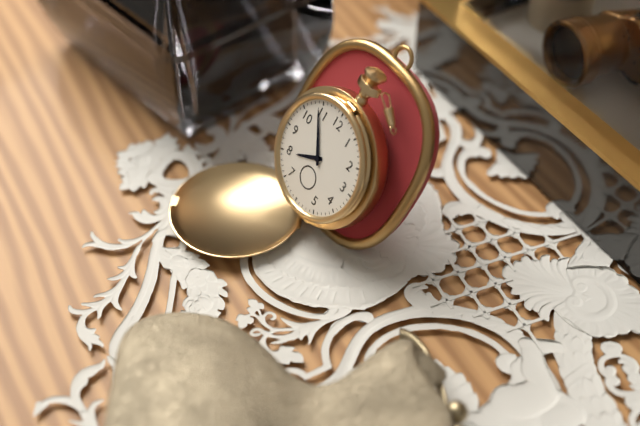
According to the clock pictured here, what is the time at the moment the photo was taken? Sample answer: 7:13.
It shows 7:54
